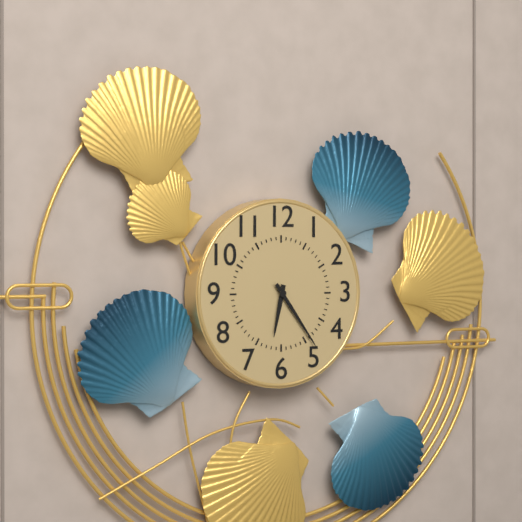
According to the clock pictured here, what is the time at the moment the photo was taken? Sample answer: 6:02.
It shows 6:24
